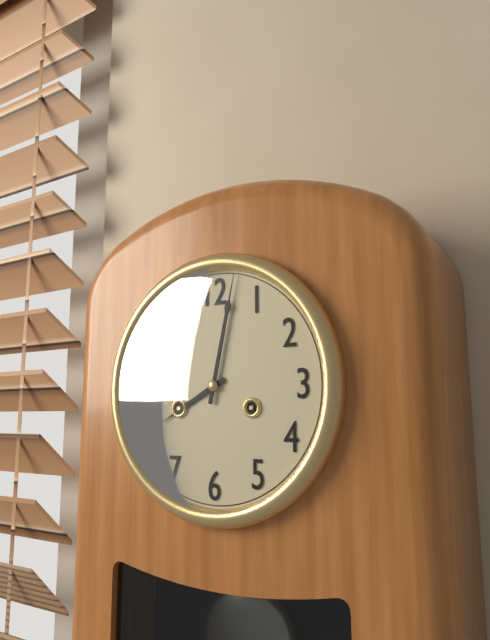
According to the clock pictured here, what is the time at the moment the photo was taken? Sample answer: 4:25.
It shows 8:02
